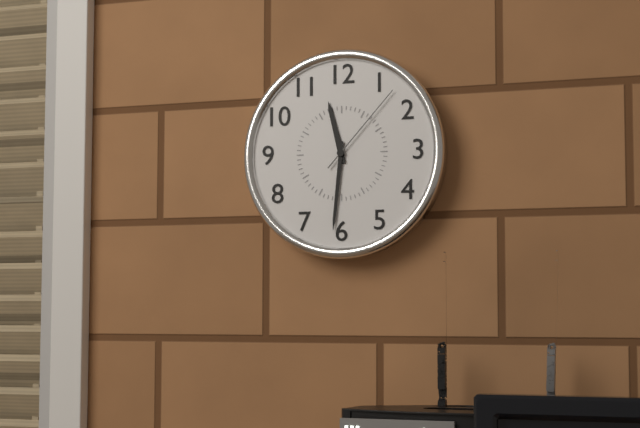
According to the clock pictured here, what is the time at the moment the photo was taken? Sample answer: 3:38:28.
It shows 11:31:07
